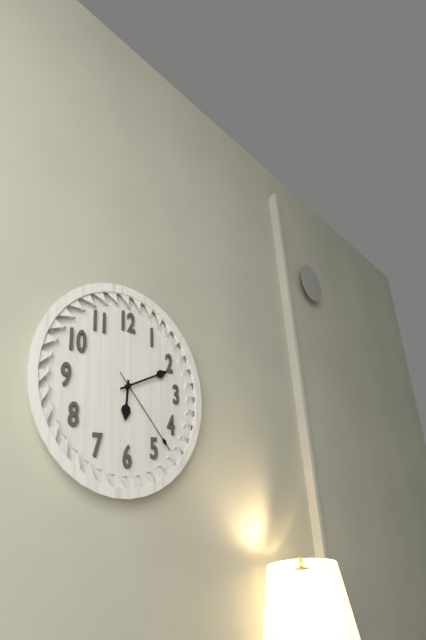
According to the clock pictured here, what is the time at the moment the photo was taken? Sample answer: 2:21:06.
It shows 6:11:23
